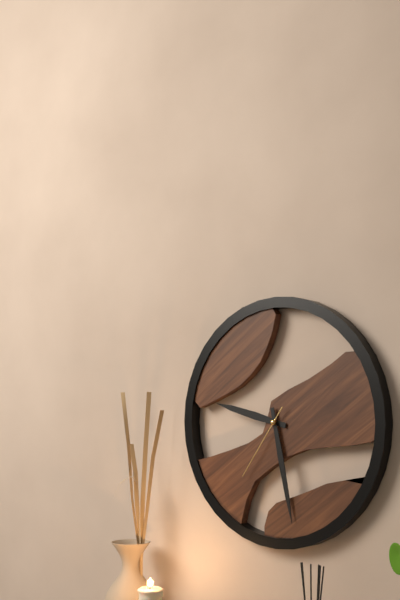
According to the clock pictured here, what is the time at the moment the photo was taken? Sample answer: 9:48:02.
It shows 9:28:36
